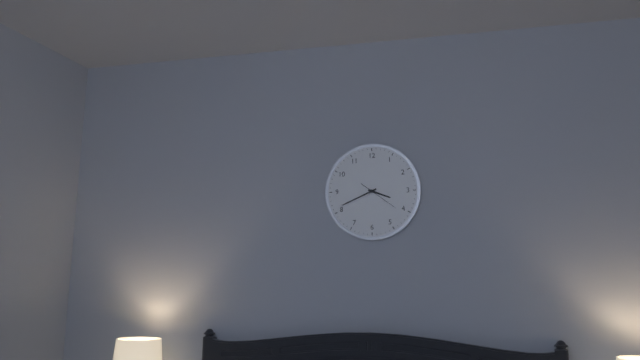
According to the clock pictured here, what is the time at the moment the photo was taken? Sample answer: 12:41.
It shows 3:41
